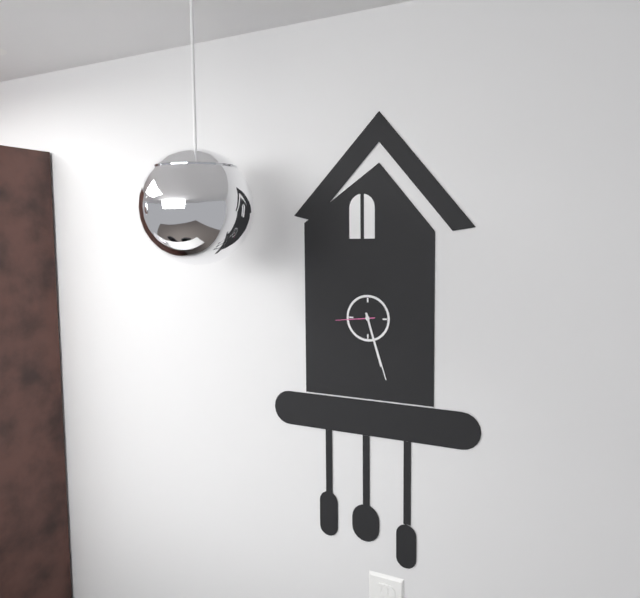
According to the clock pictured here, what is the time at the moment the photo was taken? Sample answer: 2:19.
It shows 5:27
